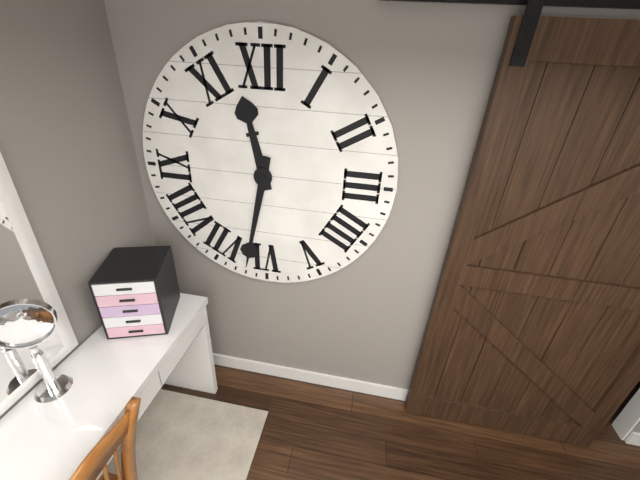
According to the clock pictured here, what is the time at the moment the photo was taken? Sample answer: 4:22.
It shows 11:32
